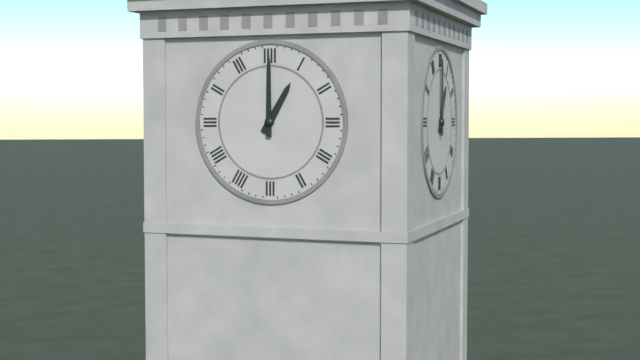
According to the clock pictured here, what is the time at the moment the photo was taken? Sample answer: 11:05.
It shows 1:00
